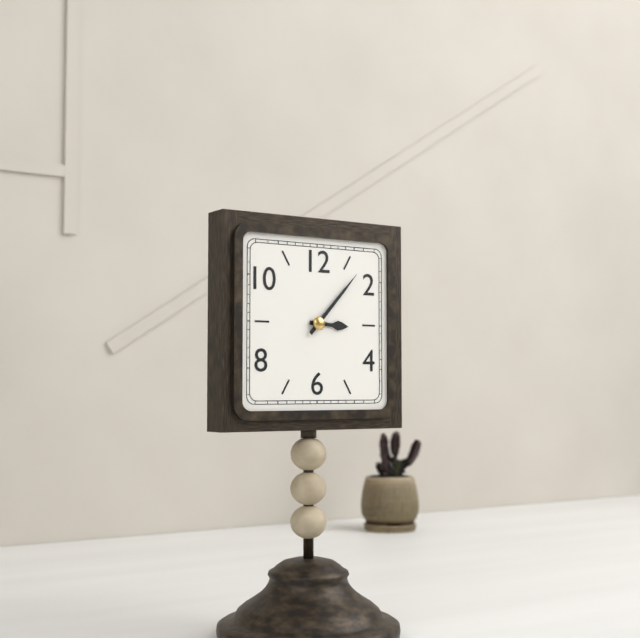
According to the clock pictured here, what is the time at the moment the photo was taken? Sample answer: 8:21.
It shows 3:07
